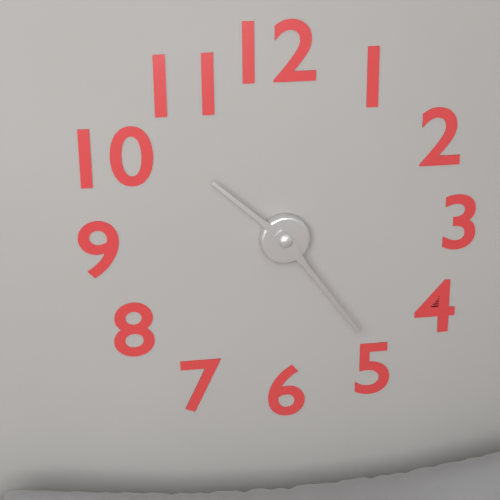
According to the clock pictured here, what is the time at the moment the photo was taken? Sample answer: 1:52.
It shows 10:24
